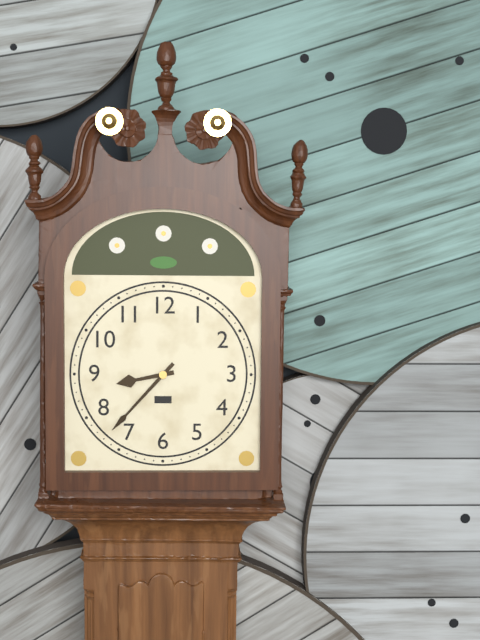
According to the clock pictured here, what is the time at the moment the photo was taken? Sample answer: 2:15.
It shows 8:37
